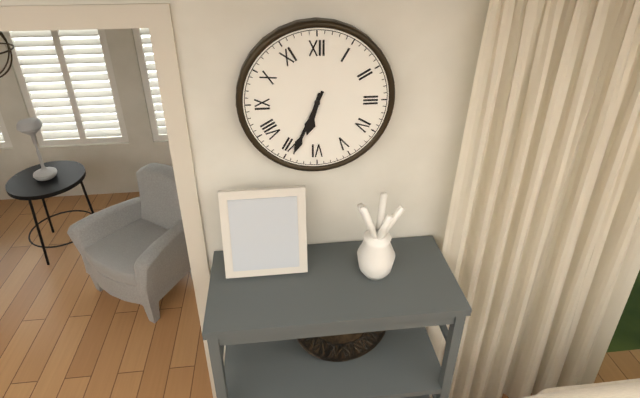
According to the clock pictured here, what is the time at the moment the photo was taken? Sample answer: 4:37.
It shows 6:34
